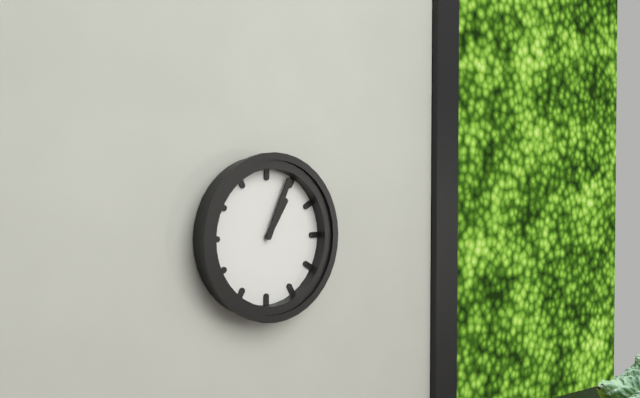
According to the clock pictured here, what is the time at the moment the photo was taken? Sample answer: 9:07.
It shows 1:04
